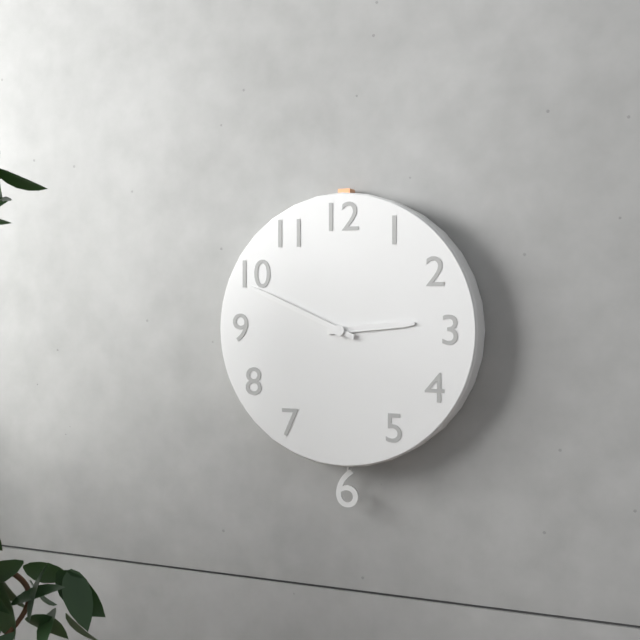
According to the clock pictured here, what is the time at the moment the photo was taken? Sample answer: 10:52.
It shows 2:49
